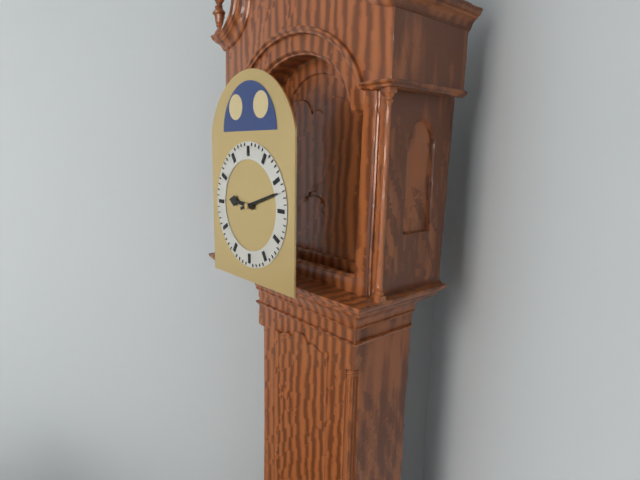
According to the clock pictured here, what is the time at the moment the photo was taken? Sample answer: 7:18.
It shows 9:12
